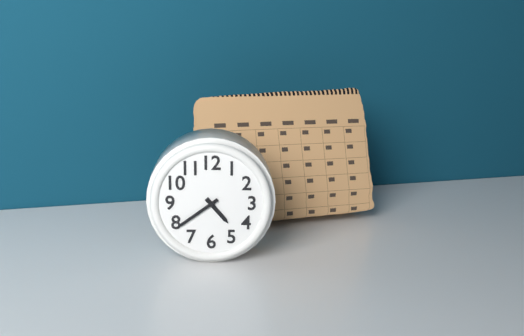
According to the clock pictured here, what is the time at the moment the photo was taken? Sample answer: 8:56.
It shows 4:39
